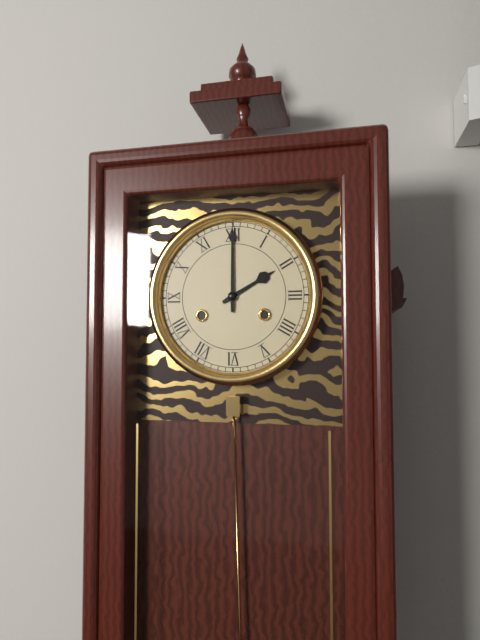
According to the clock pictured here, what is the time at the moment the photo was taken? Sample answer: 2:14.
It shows 2:00
